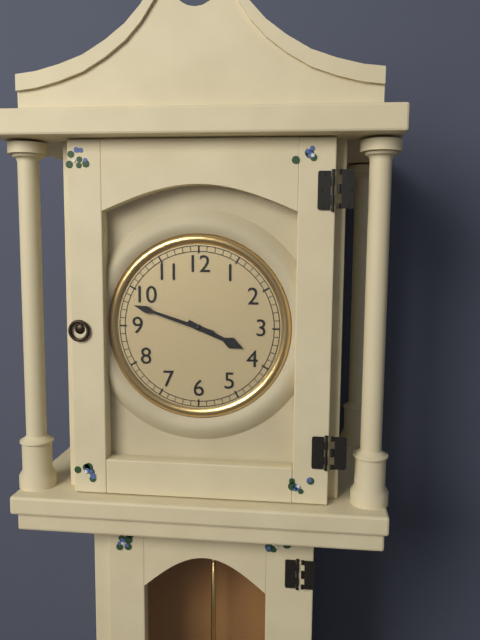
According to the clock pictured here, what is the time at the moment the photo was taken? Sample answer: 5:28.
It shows 3:48
